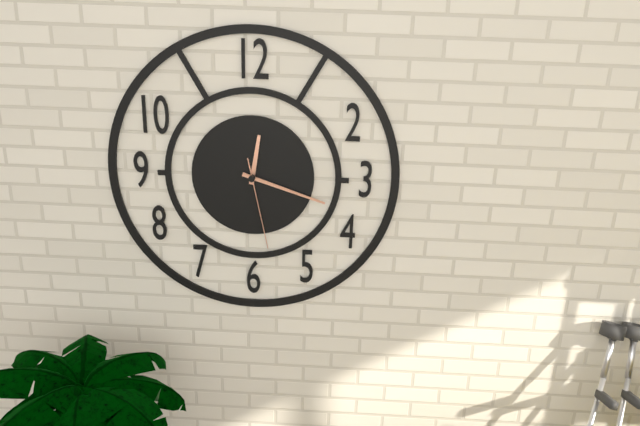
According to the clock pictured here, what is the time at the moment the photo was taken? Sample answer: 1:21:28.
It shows 12:18:28
